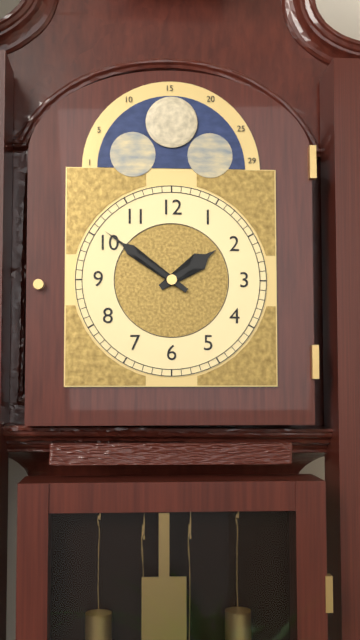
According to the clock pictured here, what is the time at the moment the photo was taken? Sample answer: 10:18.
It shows 1:51
